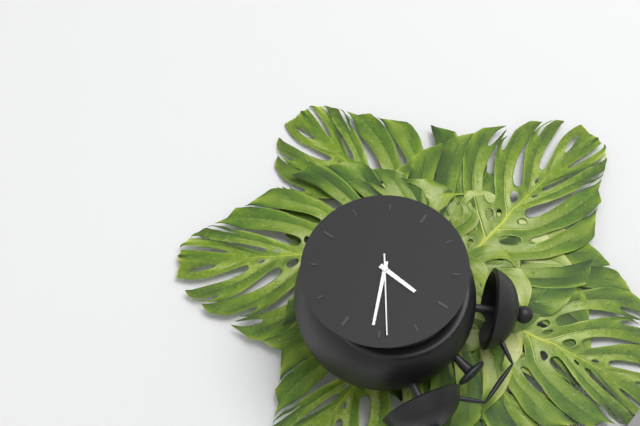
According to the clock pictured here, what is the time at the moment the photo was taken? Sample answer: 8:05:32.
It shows 12:11:09
